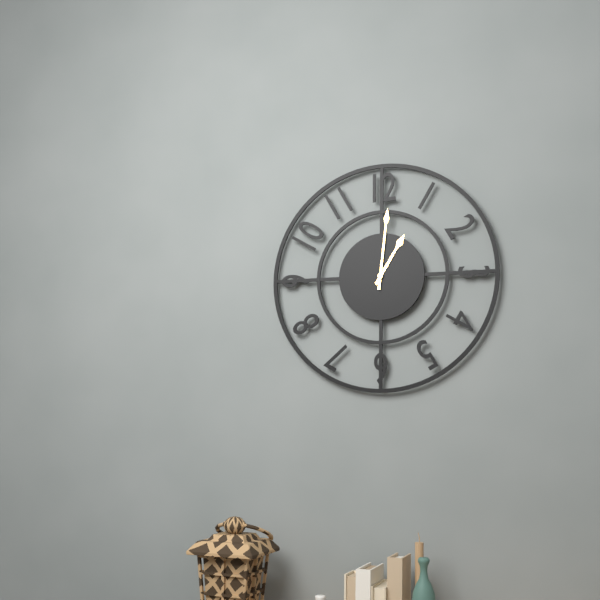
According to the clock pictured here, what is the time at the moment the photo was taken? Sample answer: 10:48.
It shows 1:01
